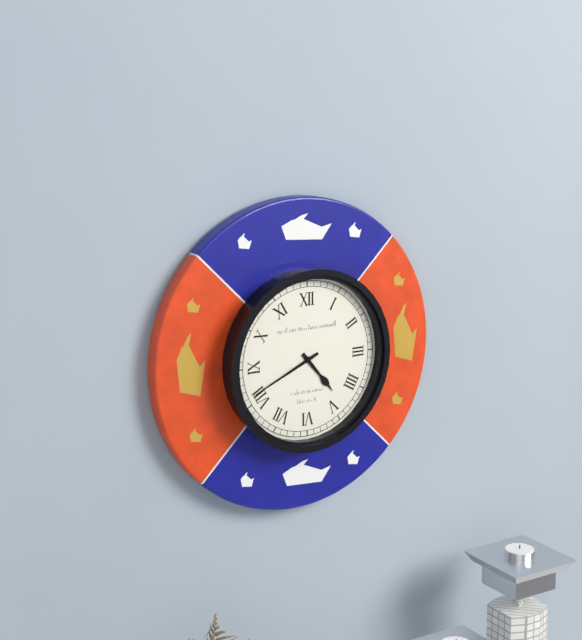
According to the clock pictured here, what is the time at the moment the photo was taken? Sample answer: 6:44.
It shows 4:41
